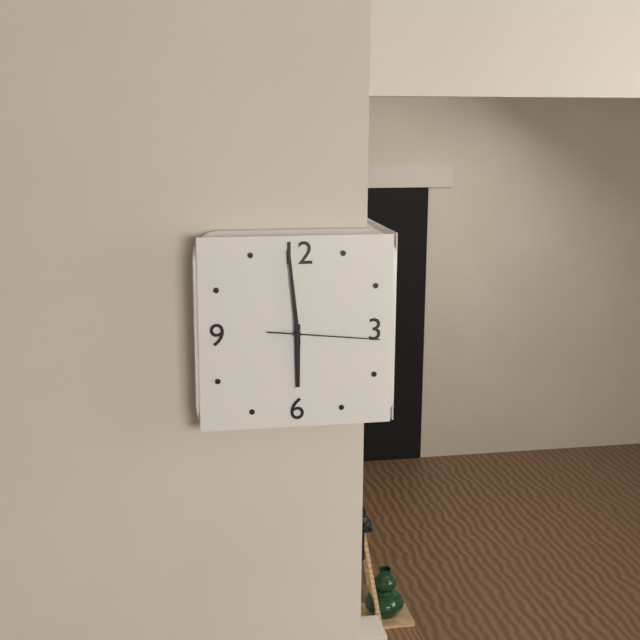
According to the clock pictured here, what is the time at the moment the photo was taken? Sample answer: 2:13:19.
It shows 5:59:16
